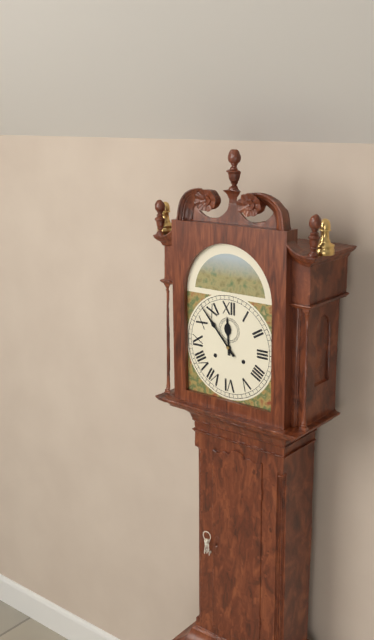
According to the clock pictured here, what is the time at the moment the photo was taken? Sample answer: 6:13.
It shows 11:53
